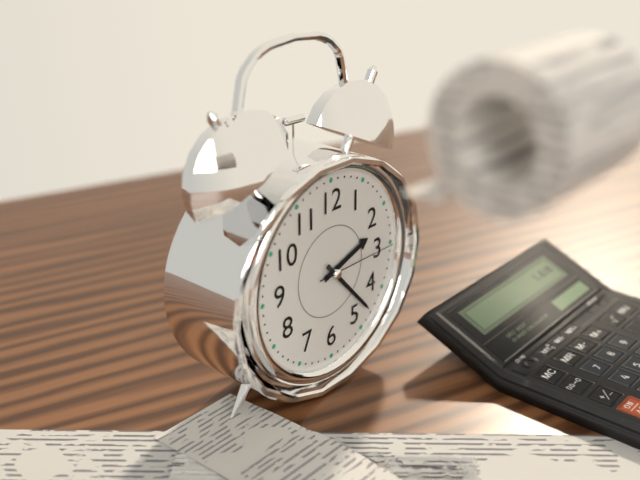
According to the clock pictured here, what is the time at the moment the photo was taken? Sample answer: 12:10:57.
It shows 2:23:15
